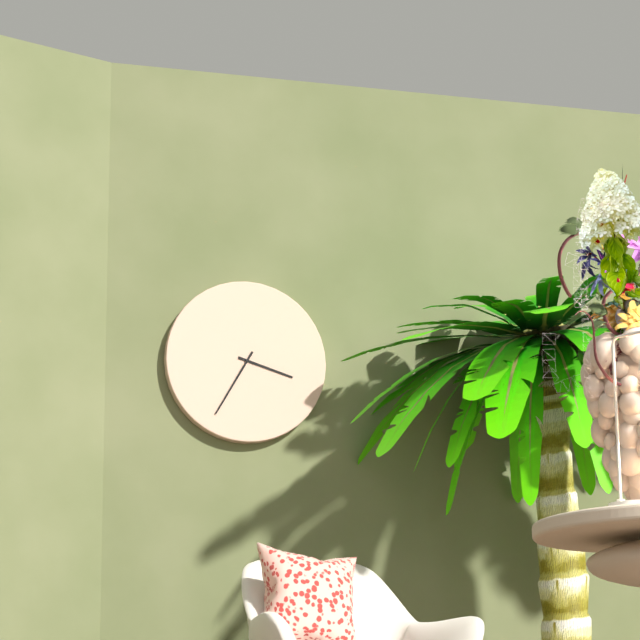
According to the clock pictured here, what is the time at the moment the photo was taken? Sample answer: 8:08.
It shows 3:35
